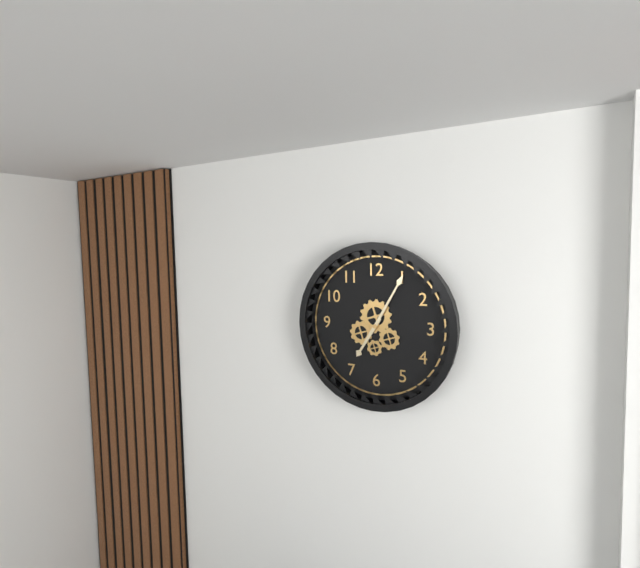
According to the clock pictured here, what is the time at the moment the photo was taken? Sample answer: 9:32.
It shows 7:05
